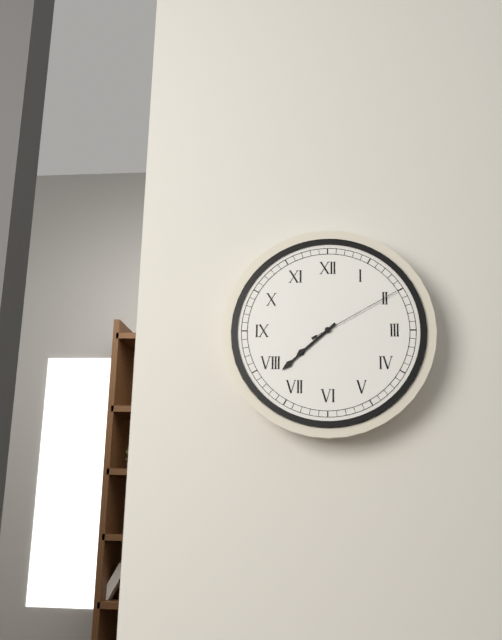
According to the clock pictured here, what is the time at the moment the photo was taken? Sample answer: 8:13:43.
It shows 7:38:10
